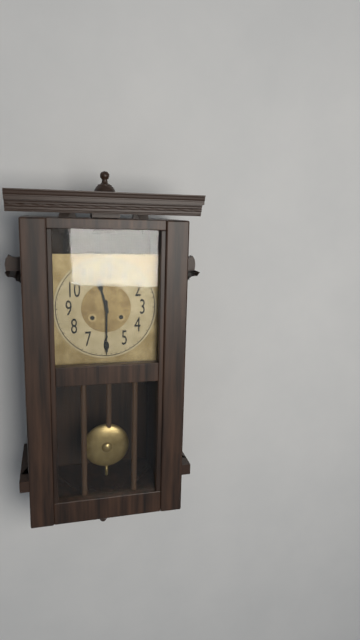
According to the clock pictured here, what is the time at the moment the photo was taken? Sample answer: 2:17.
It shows 11:30
